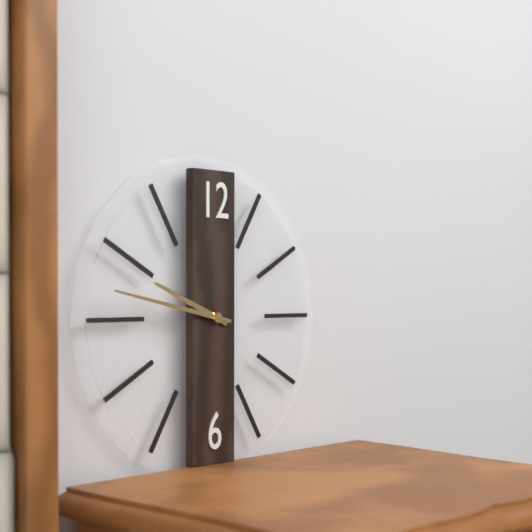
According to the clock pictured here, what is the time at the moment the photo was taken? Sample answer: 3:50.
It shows 9:47
